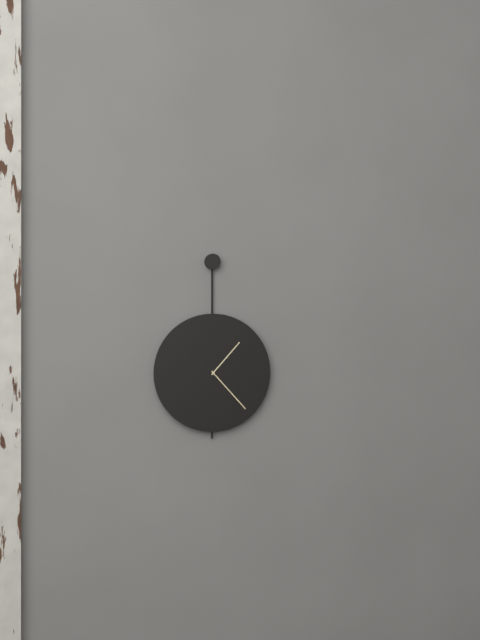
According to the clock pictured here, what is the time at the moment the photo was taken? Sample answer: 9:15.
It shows 1:23
